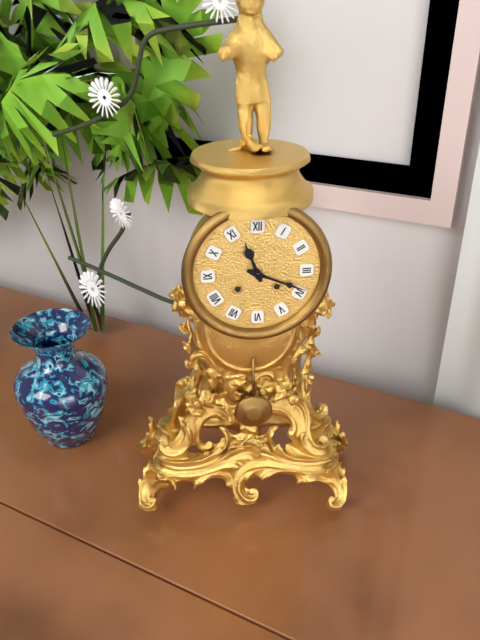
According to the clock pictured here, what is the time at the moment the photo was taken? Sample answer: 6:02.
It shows 11:19
